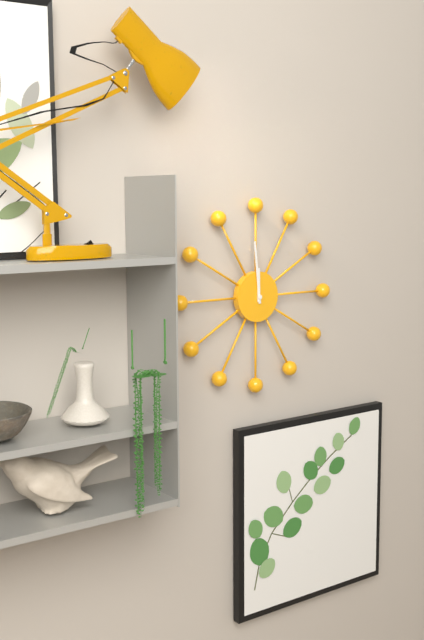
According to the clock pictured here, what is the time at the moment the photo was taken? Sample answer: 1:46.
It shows 11:59
